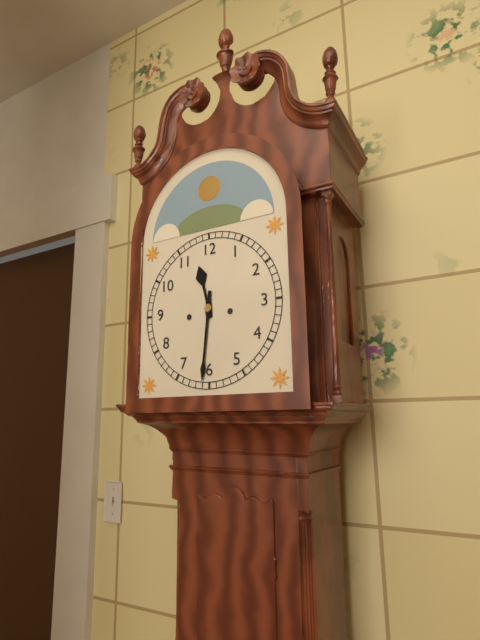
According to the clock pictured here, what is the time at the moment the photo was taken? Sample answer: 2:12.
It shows 11:31
